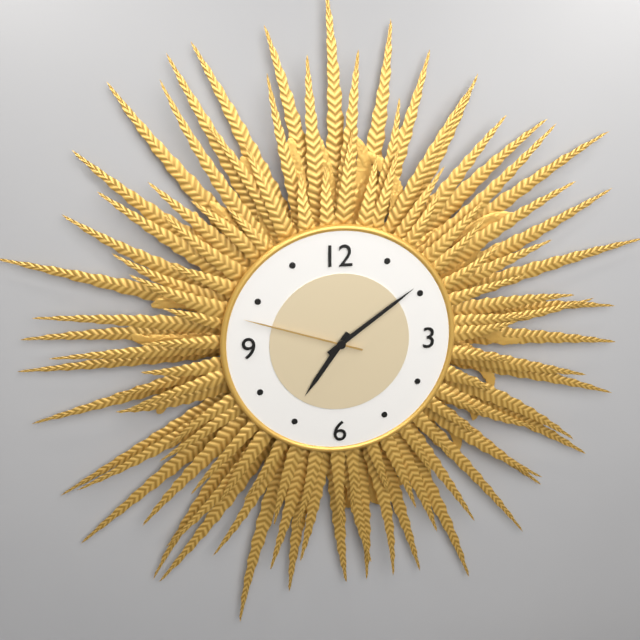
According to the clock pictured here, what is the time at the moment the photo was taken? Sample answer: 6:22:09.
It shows 7:09:48
